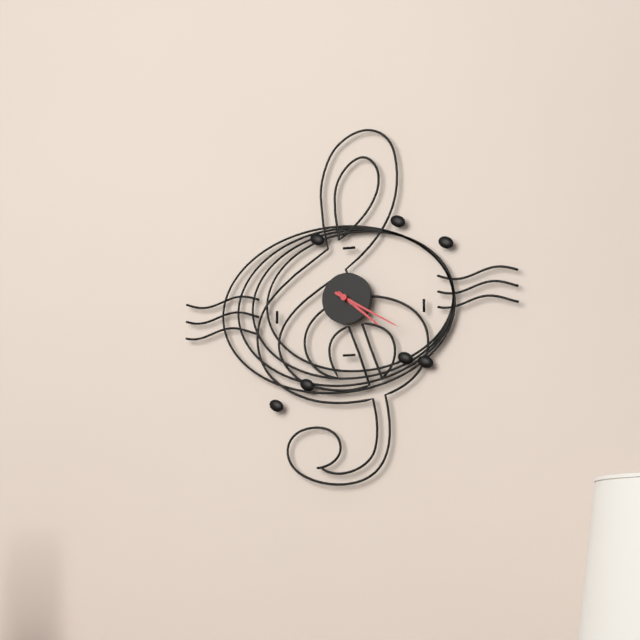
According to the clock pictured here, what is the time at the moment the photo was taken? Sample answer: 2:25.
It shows 4:20
